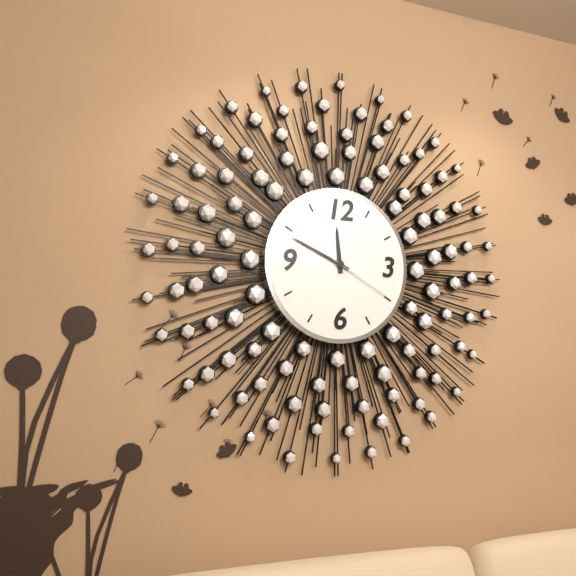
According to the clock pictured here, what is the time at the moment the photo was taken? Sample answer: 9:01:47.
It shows 11:49:20
